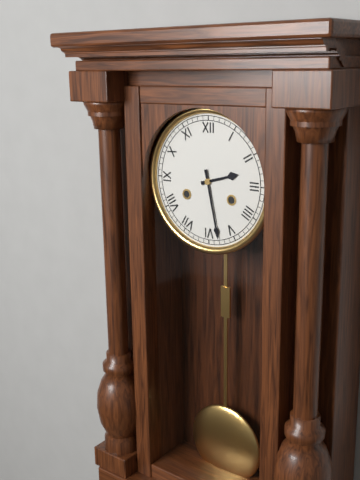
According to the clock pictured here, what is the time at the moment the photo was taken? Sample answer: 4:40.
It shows 2:28
